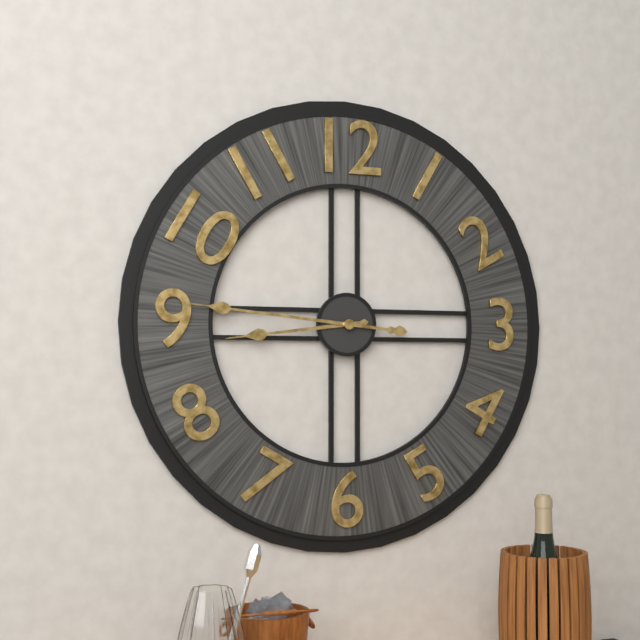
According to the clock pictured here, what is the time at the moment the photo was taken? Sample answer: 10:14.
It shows 8:46
